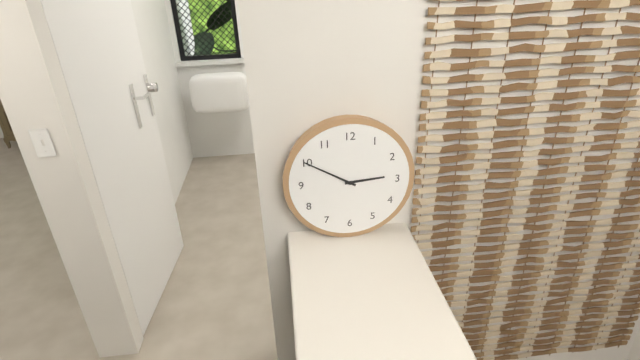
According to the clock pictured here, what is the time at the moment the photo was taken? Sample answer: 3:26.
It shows 2:50
